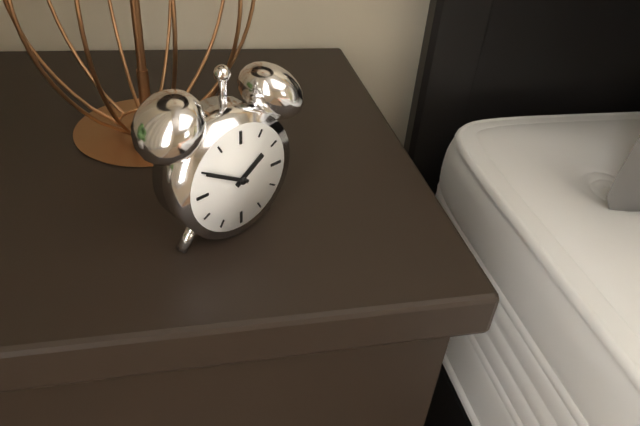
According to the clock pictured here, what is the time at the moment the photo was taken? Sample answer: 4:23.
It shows 1:50
